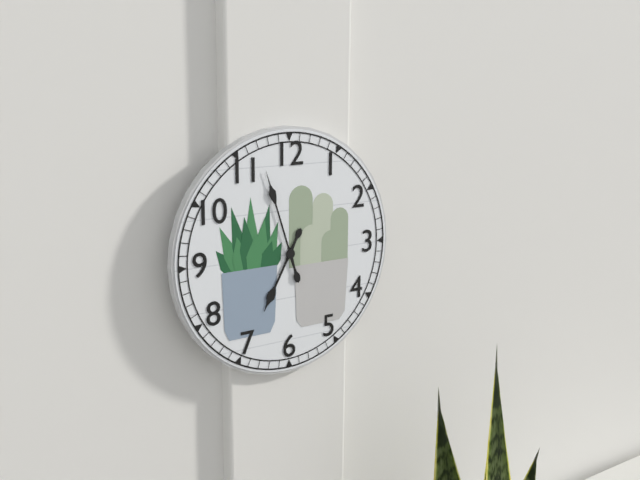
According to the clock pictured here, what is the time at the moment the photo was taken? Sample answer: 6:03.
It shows 6:57
